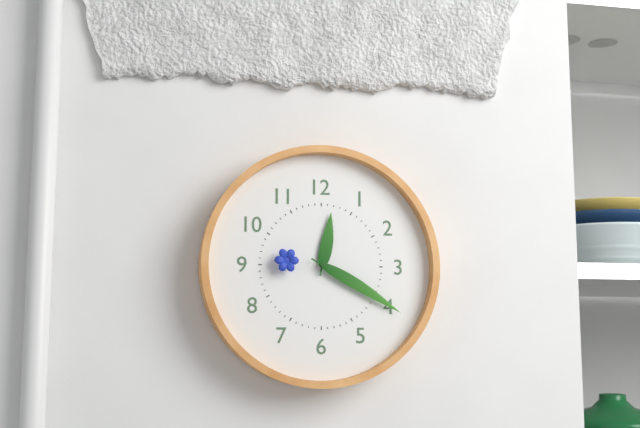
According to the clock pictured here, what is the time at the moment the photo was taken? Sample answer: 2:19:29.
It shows 12:20:46
